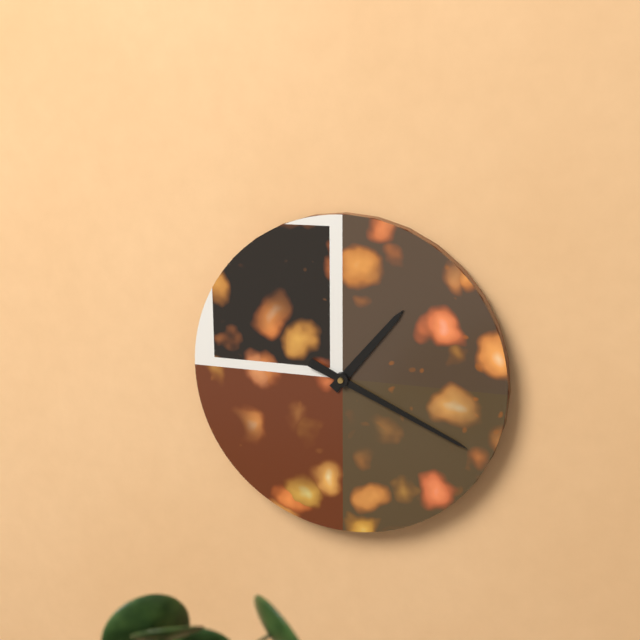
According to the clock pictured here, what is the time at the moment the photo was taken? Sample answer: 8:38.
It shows 1:19
